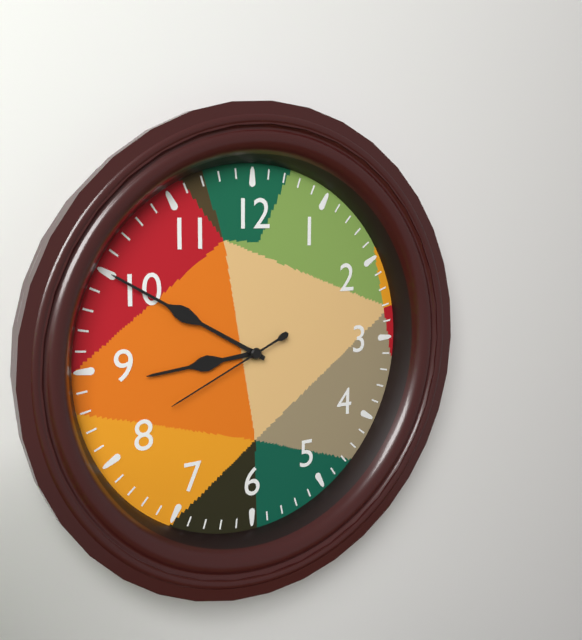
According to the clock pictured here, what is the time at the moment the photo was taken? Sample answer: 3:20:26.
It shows 8:50:41
